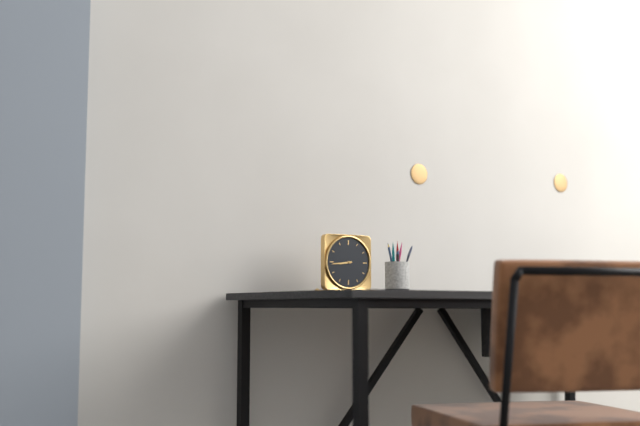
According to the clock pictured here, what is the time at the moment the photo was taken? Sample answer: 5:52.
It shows 8:44
